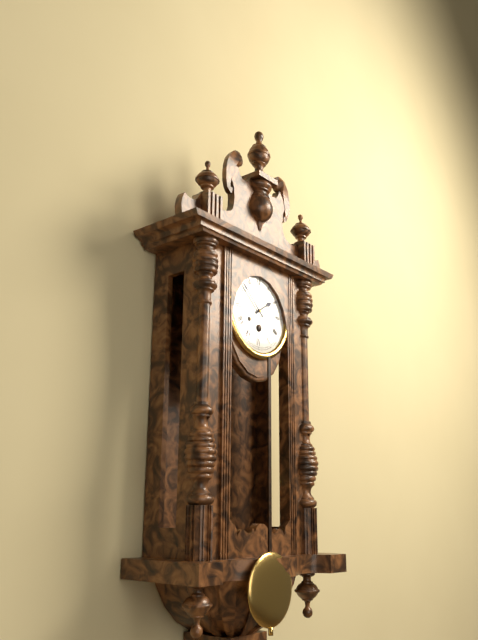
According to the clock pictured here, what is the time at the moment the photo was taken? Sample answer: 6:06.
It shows 1:52
